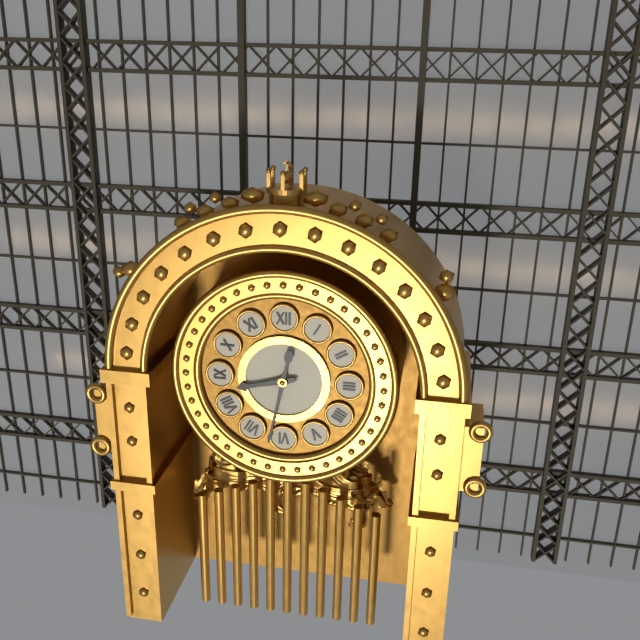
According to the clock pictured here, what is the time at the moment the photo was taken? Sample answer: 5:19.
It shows 8:32
